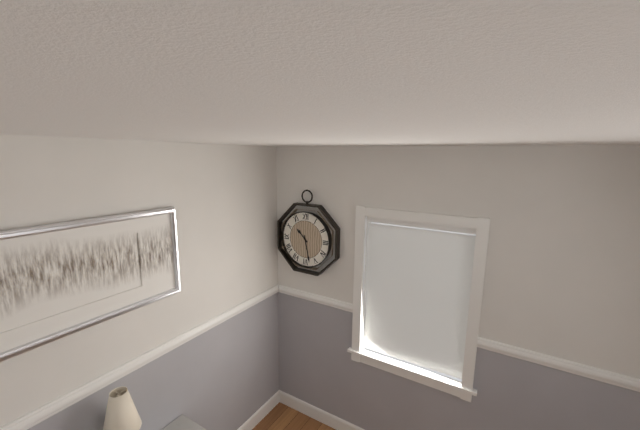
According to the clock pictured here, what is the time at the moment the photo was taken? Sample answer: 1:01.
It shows 10:28
